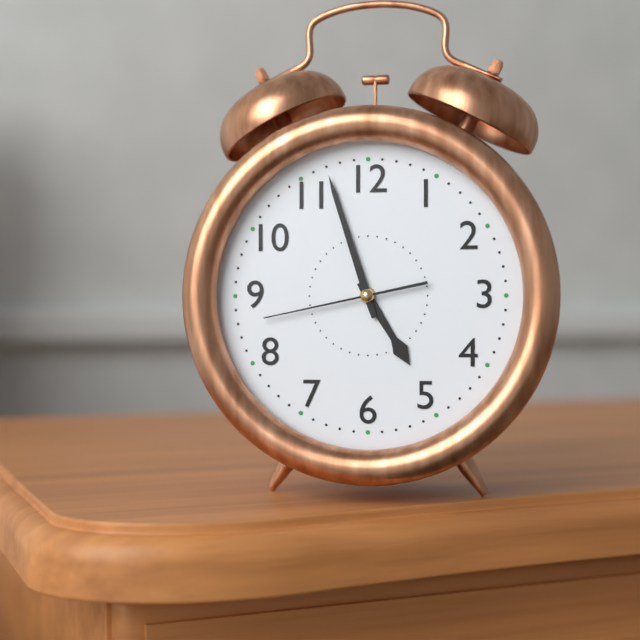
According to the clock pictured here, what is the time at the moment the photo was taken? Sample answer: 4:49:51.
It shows 4:57:43
